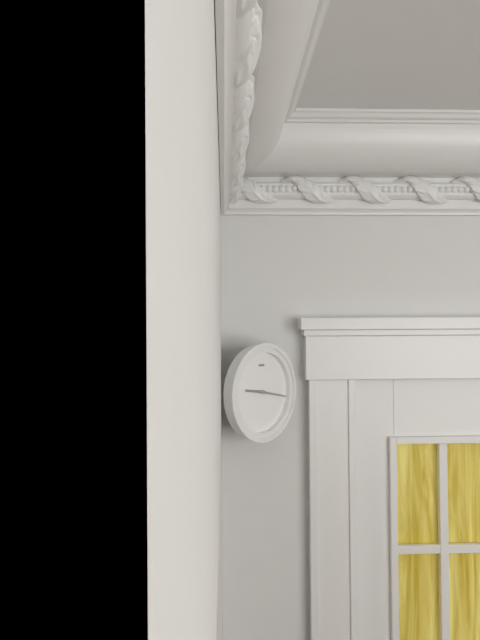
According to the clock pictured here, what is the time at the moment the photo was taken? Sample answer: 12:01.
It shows 9:17
